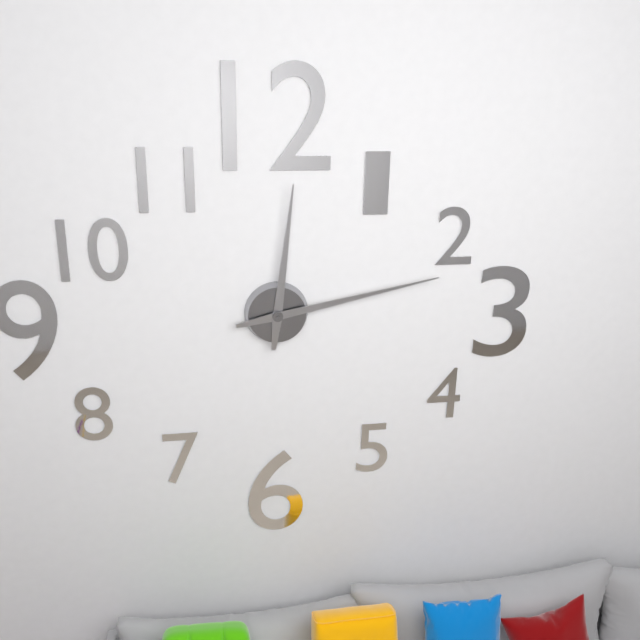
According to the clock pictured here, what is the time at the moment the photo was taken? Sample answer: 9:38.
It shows 12:13
